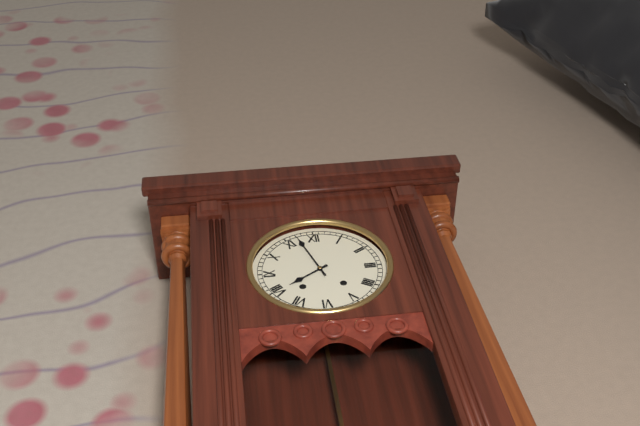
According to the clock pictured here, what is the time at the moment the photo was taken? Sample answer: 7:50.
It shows 7:57
